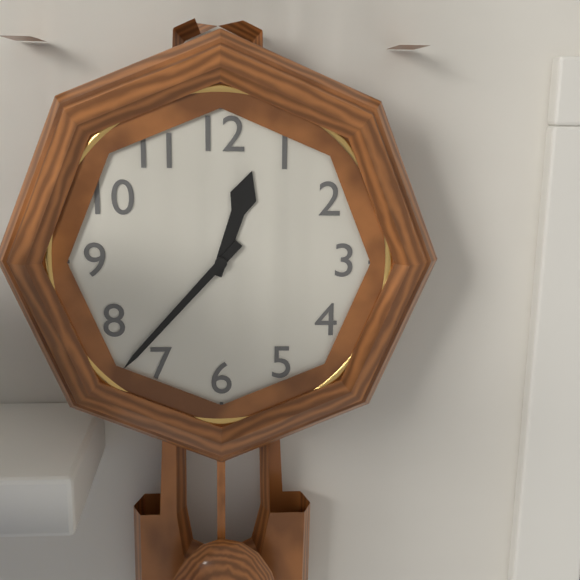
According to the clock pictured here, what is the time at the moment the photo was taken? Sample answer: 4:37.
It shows 12:37
